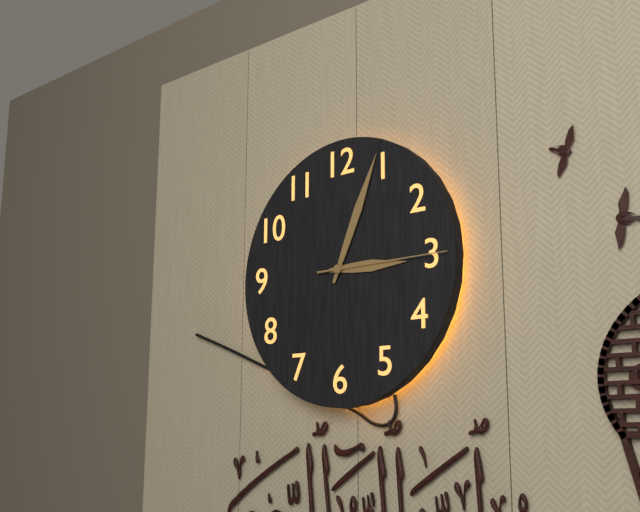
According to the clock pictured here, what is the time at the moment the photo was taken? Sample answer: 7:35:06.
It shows 3:04:15
